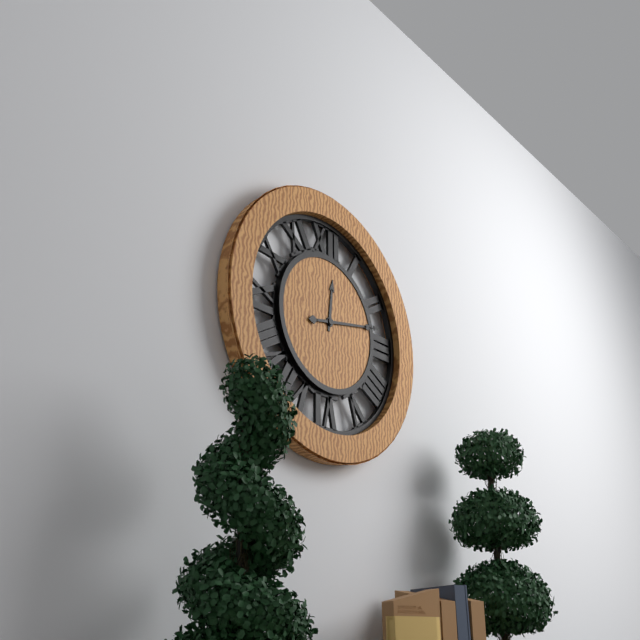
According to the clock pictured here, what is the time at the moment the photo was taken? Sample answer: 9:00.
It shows 12:13
